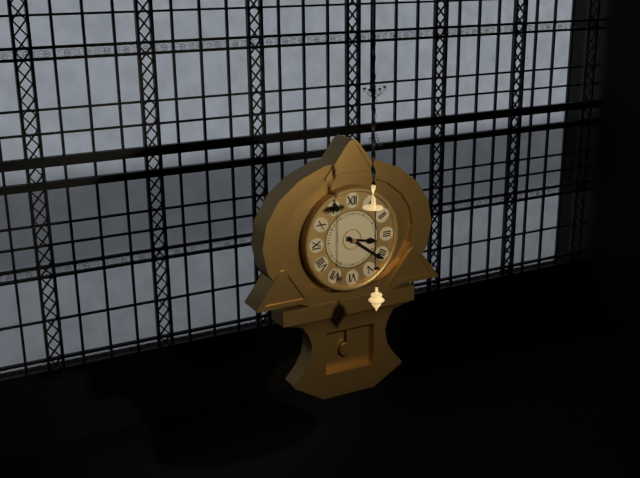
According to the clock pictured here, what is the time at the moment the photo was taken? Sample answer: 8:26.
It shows 3:21
